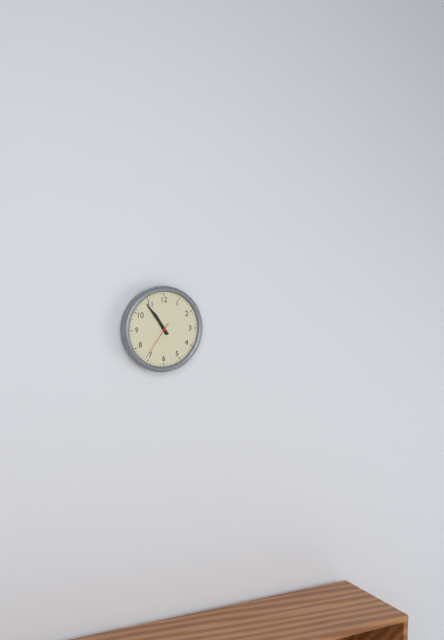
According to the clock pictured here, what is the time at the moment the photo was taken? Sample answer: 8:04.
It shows 10:54
